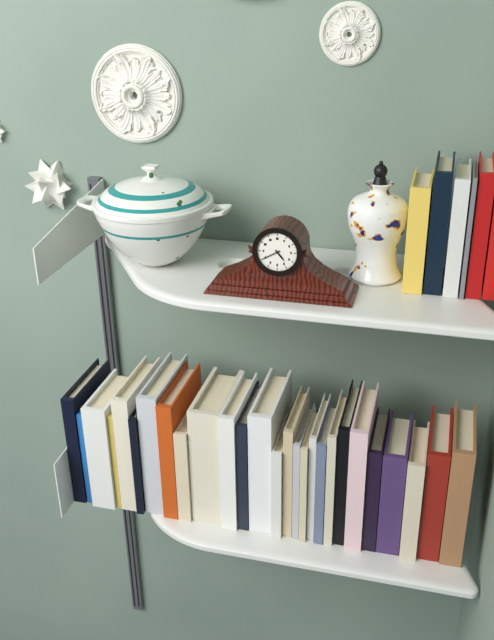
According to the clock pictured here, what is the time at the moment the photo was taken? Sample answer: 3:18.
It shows 4:40
